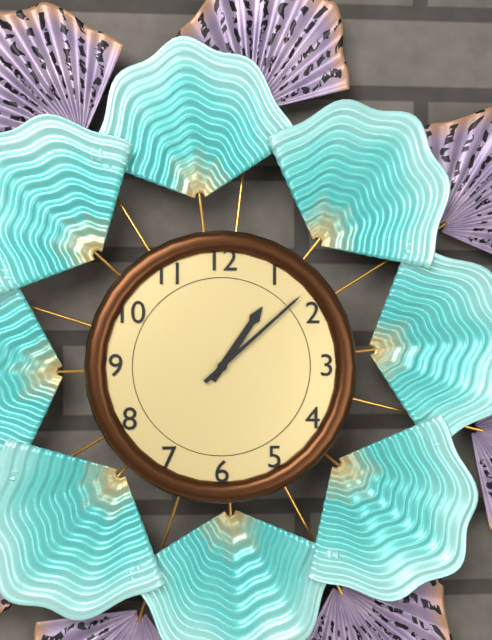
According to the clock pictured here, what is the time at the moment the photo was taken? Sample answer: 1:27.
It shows 1:08
